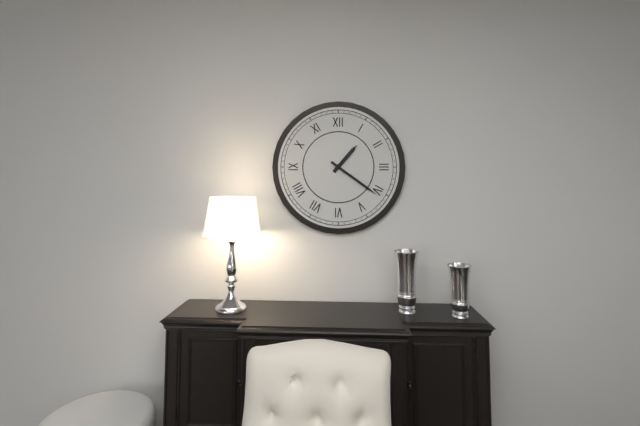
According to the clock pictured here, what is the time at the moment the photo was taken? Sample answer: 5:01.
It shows 1:21
